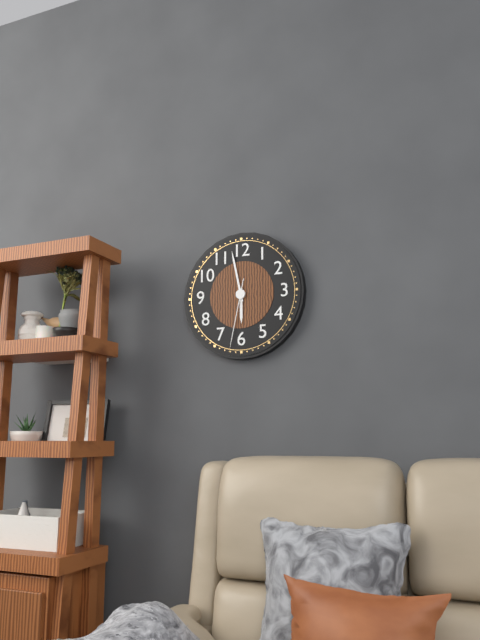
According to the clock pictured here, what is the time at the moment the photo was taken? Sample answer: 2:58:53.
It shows 5:58:32
